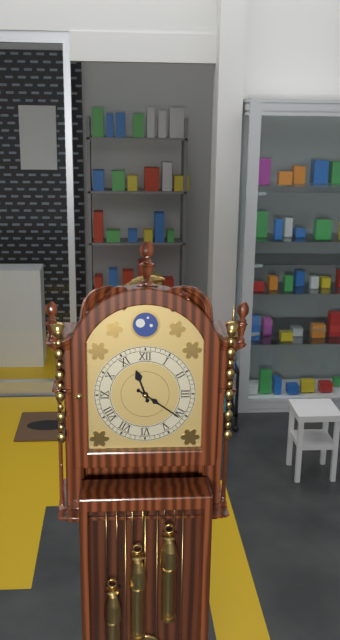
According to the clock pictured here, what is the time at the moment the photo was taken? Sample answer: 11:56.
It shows 11:21
